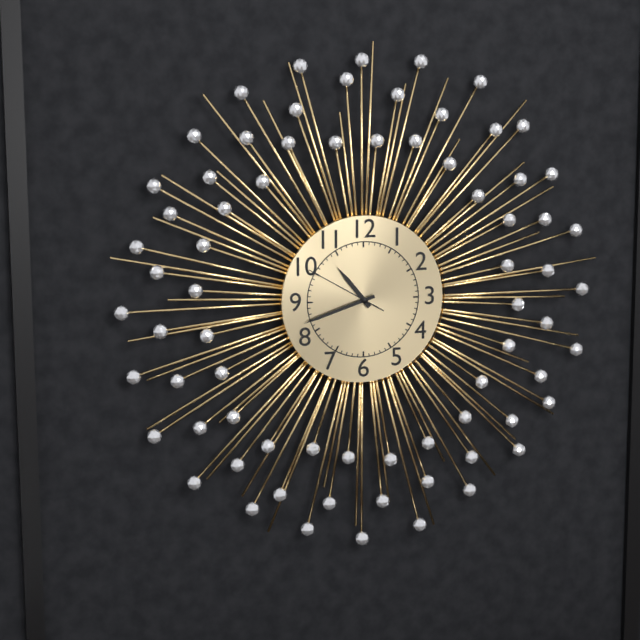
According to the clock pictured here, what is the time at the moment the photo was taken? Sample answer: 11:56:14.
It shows 10:42:50
